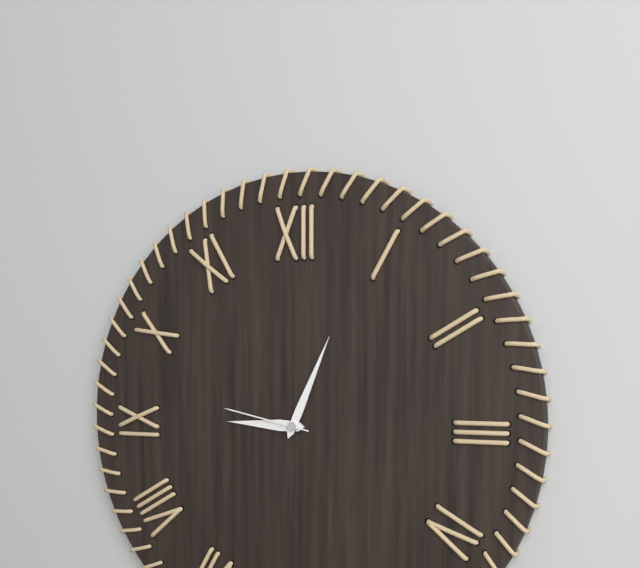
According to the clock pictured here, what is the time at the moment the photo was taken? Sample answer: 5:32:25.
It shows 9:04:47
